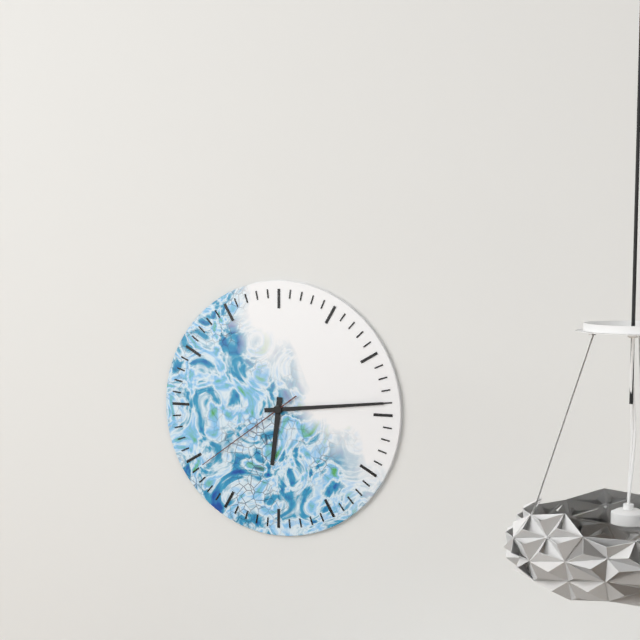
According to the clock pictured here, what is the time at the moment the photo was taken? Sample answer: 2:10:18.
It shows 6:14:39
